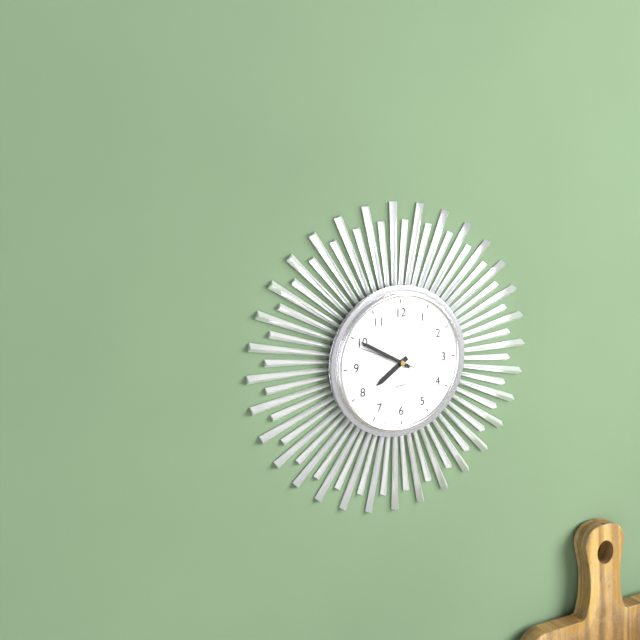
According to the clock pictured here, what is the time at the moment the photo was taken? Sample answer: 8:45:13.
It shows 7:50:49
